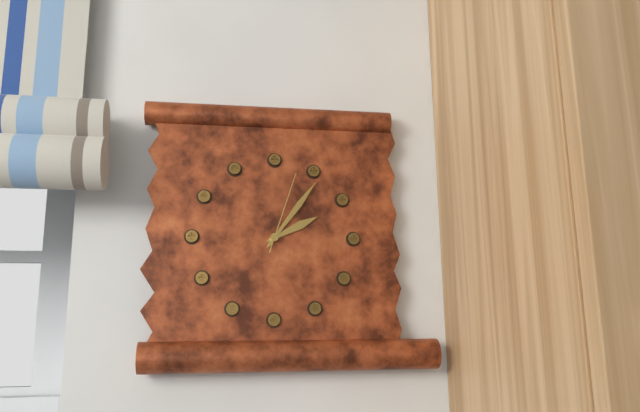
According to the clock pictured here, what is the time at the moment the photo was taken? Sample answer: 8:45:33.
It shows 2:06:03
